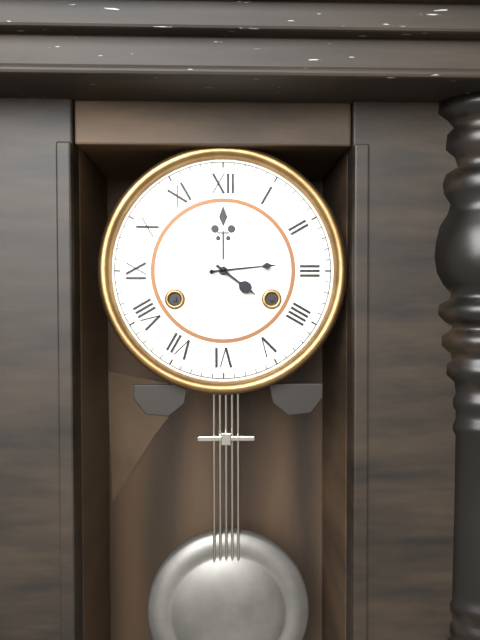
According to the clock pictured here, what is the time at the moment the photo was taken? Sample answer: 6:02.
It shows 4:14
